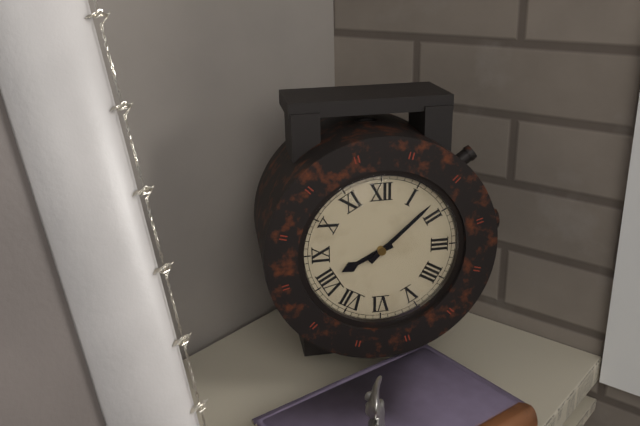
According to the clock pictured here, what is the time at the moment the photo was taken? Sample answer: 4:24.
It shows 8:08
